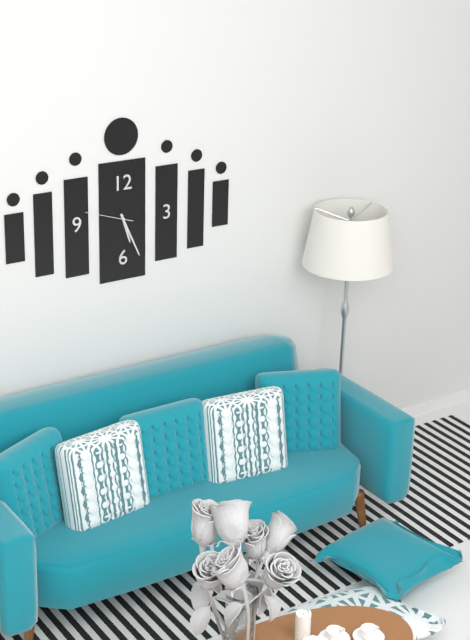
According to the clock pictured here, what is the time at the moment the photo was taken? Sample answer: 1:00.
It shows 5:26
